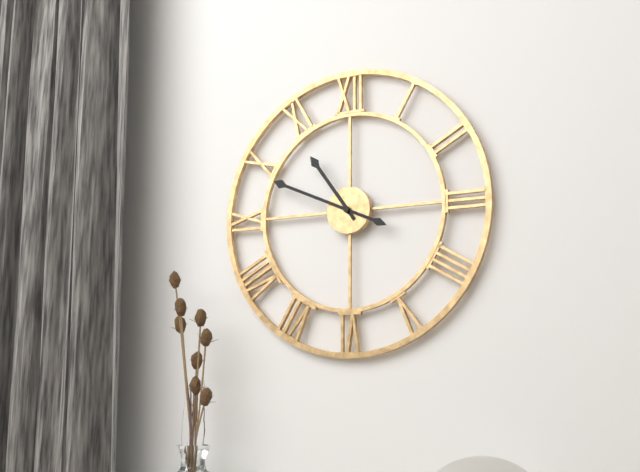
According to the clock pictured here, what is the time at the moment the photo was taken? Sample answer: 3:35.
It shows 10:49
